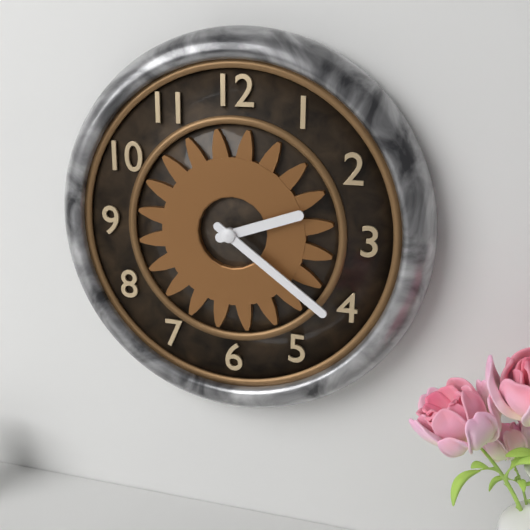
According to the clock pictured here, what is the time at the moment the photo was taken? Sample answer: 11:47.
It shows 2:21
